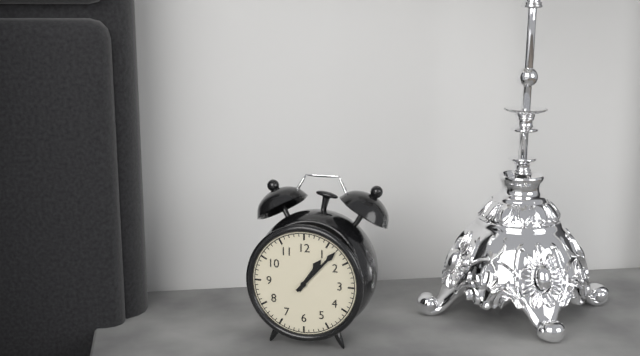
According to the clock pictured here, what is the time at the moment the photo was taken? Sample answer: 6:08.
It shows 1:07
